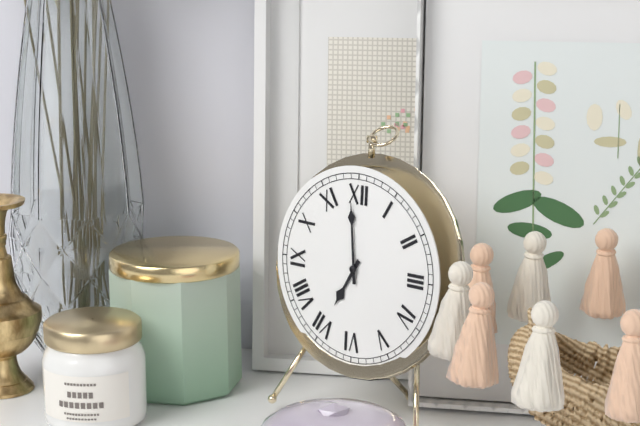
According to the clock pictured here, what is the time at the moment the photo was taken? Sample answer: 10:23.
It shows 6:59
